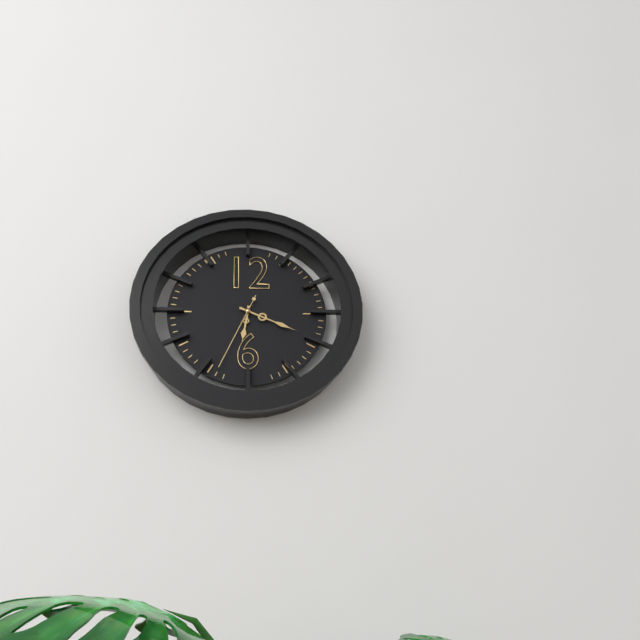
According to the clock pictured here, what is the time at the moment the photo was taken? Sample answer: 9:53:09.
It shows 6:19:34
